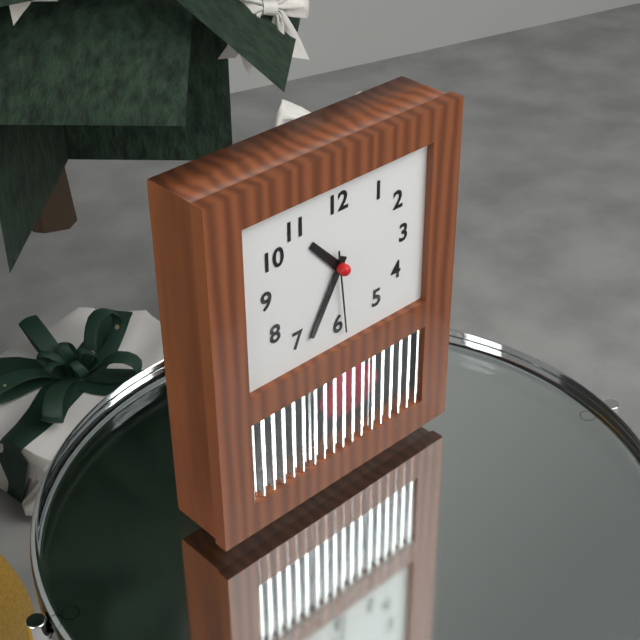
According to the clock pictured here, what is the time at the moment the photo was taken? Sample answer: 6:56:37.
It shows 10:35:29
